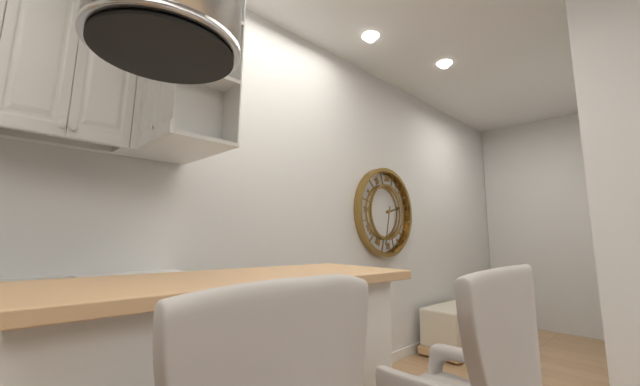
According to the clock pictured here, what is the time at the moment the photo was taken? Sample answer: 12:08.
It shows 2:32
